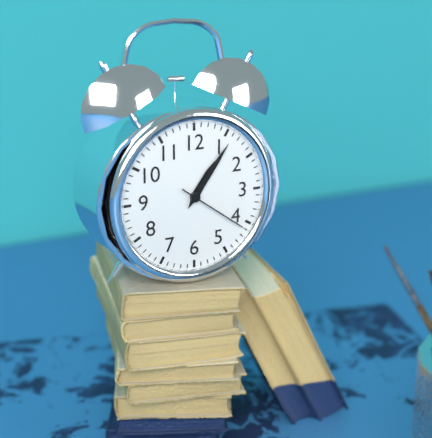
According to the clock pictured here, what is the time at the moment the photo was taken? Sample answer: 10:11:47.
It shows 1:06:21
